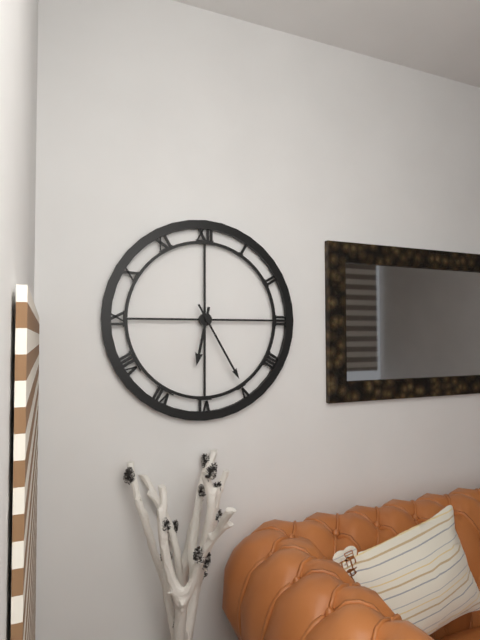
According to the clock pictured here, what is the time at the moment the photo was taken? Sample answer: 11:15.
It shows 6:25
